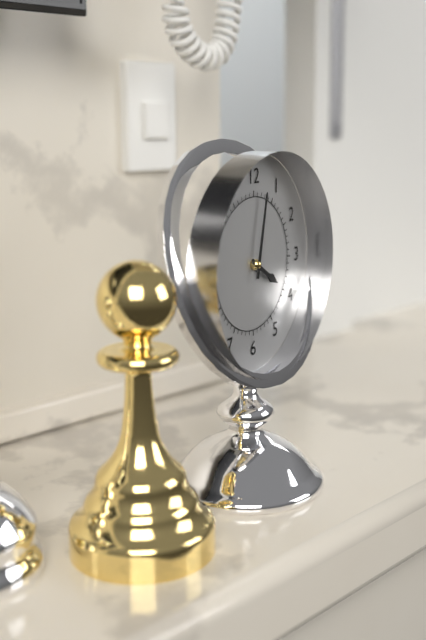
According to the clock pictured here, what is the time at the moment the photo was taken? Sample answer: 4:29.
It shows 4:02
